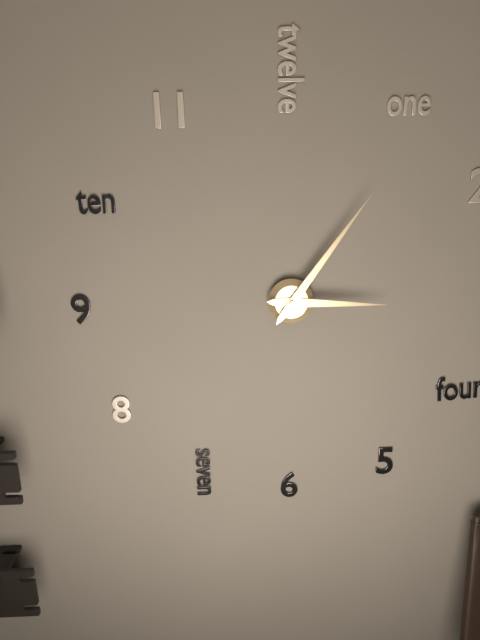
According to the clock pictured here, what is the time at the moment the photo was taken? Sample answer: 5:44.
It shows 3:06
